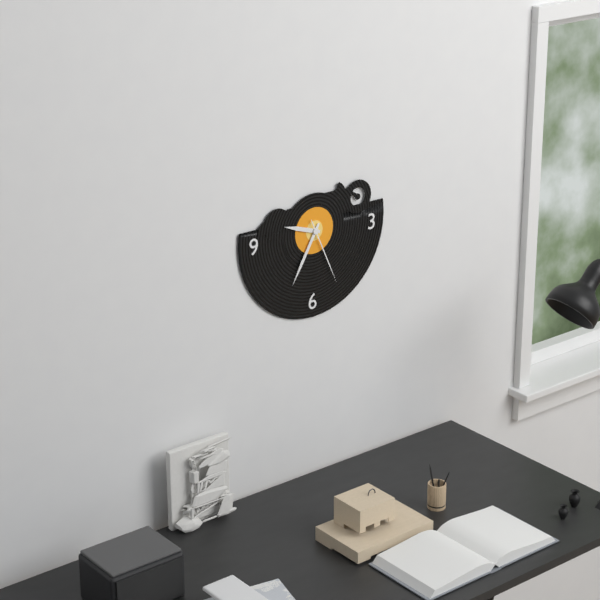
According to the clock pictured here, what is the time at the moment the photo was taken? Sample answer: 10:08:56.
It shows 9:35:26
